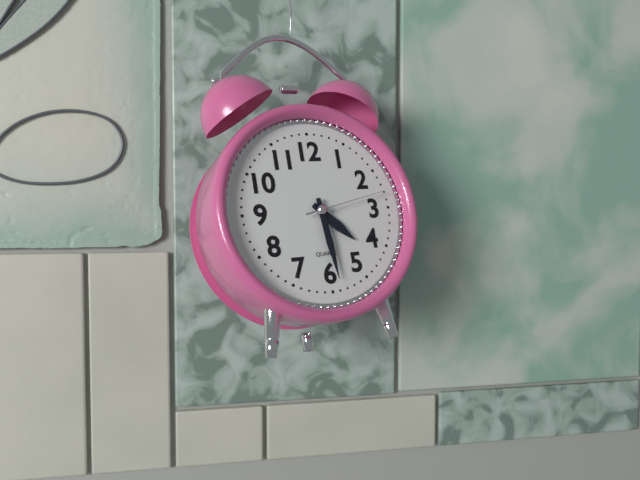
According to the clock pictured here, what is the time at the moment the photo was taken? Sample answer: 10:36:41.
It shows 4:29:13
